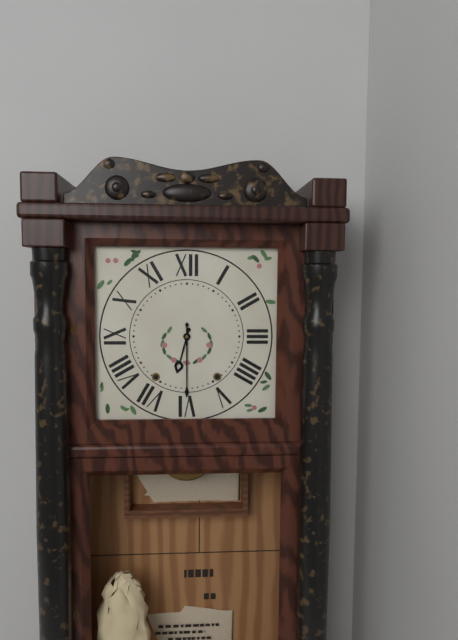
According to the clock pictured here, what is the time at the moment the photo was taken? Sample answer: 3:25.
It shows 6:30
